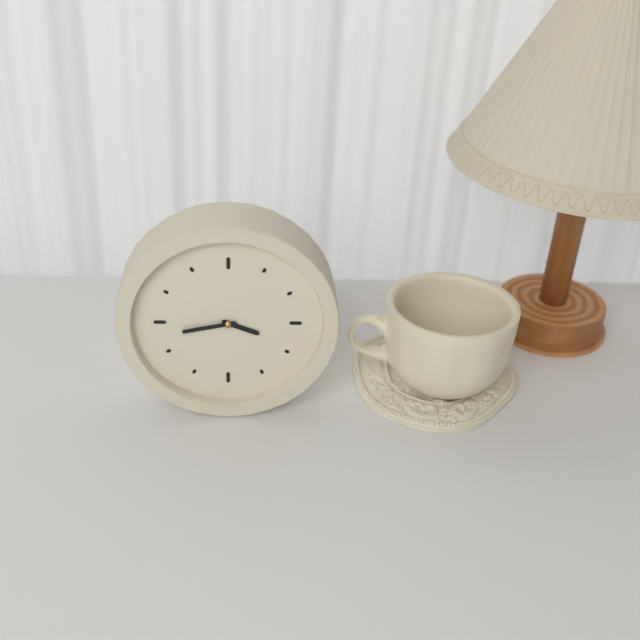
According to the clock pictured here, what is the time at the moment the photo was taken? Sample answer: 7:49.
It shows 3:43
